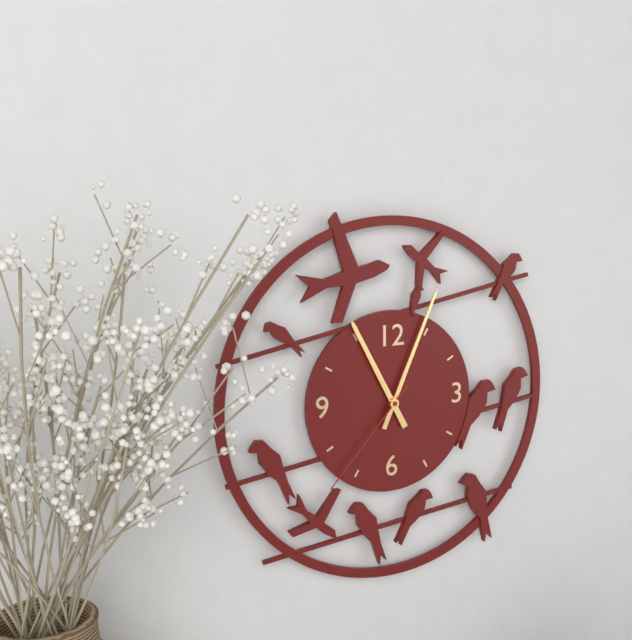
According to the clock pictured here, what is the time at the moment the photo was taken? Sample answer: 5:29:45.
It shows 11:04:37
